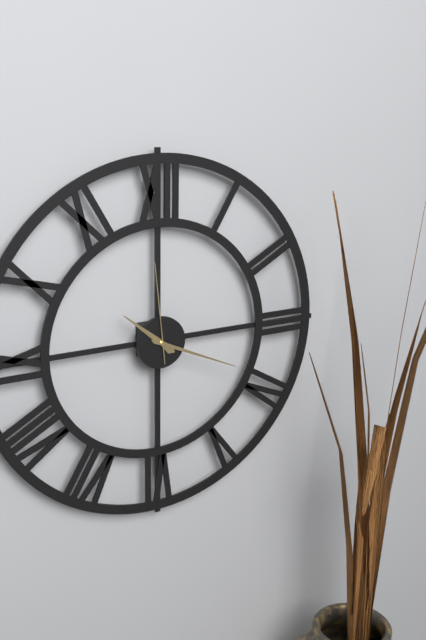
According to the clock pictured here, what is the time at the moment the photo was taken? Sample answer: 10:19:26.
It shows 10:19:59
